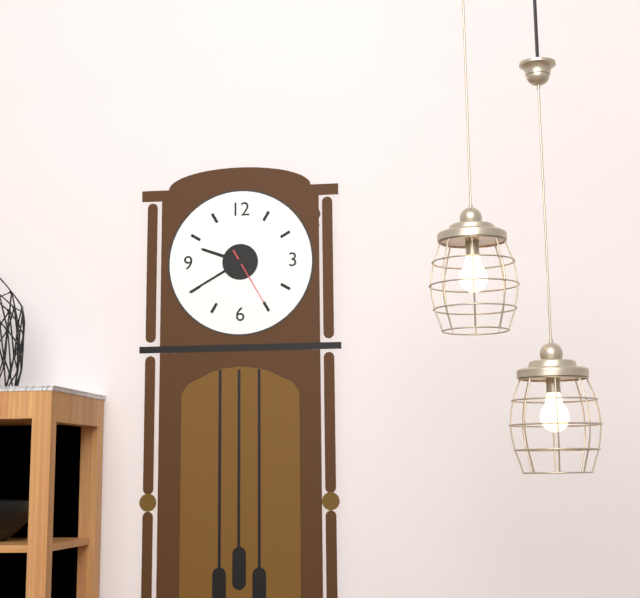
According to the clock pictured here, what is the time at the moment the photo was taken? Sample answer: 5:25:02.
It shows 9:40:25
